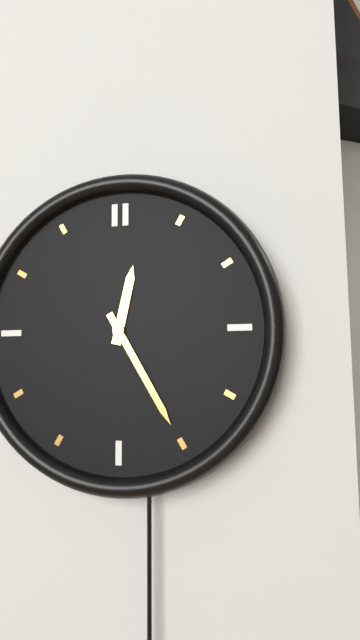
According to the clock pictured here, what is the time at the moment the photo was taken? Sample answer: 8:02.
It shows 12:25
